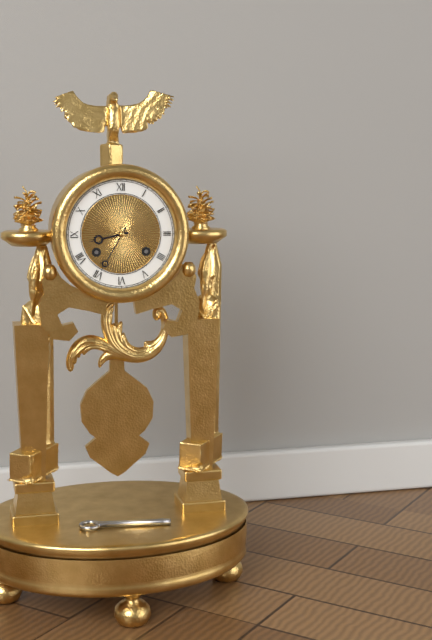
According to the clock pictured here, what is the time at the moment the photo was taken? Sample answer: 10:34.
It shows 8:35
